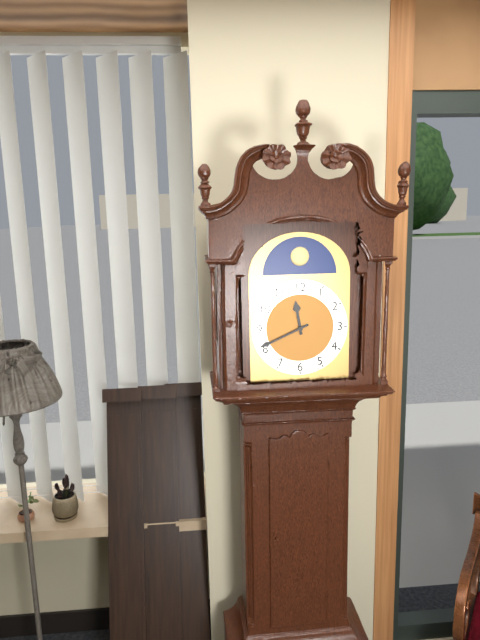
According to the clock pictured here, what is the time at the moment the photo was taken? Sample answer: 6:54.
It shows 11:41
